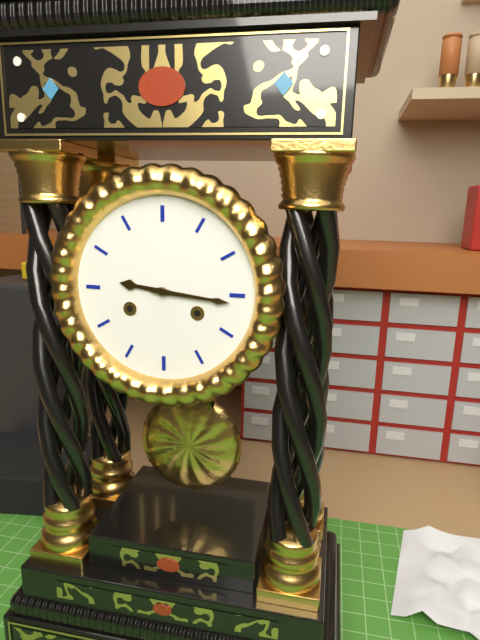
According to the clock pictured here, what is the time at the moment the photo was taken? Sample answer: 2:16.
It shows 9:16
